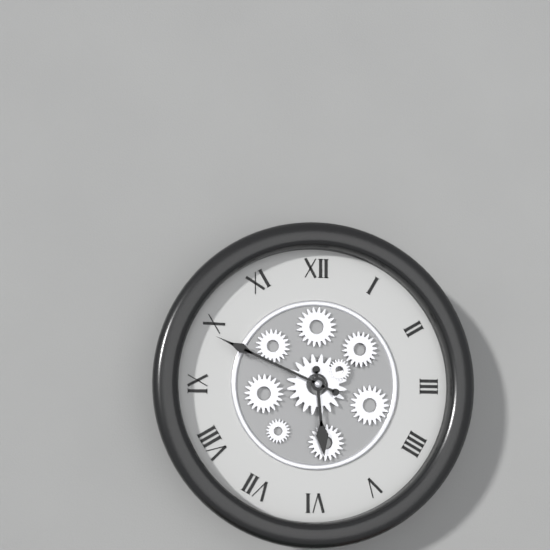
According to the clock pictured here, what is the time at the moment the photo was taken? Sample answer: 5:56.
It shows 5:49
